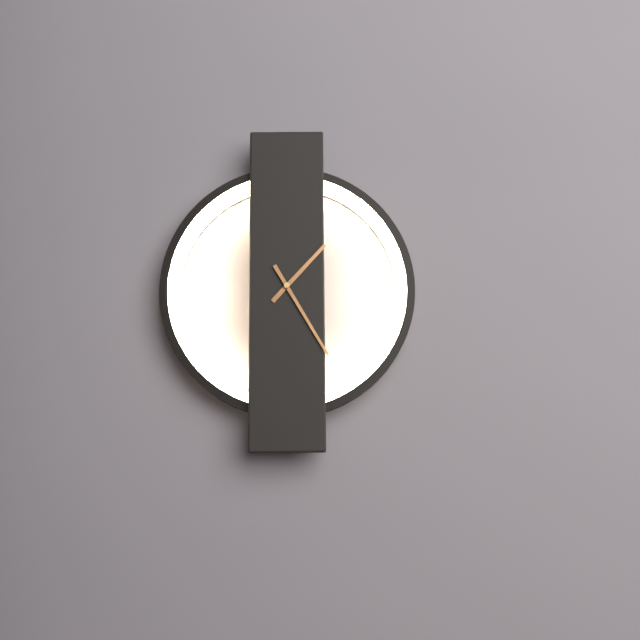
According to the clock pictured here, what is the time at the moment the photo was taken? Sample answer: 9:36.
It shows 1:25
